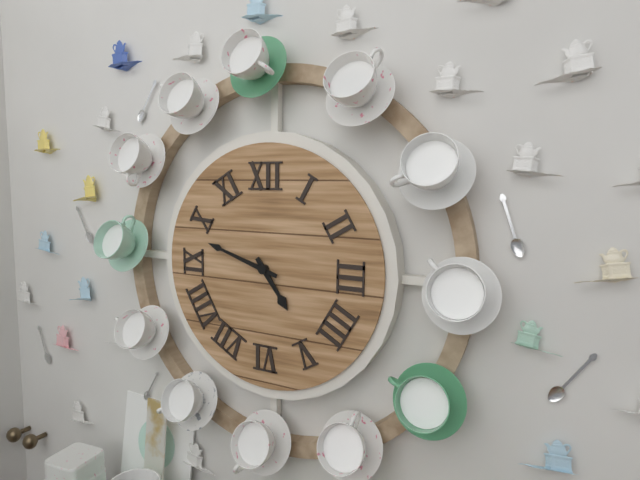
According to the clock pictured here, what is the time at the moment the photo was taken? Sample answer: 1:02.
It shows 4:48
